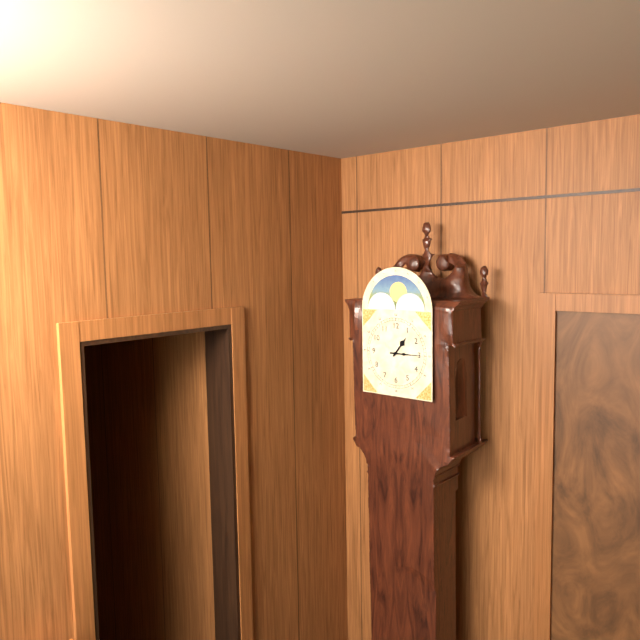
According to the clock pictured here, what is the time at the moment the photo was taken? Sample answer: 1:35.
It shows 1:15
